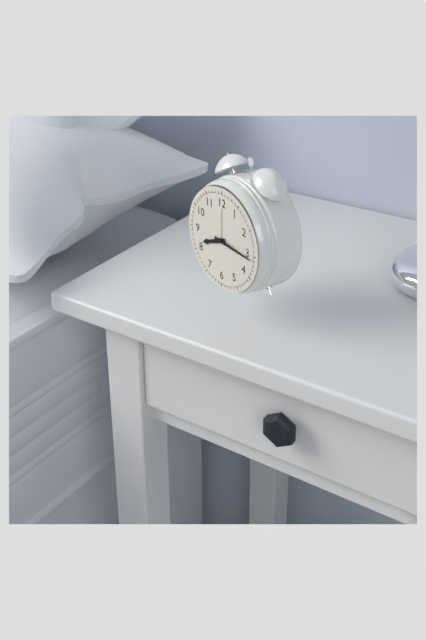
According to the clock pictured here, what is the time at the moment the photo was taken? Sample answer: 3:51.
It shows 8:16
